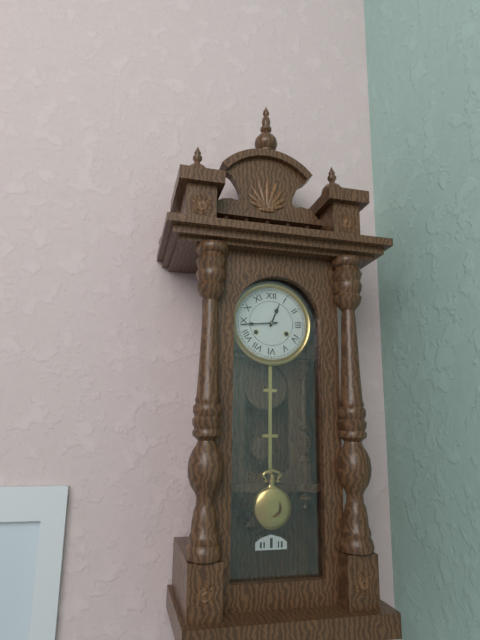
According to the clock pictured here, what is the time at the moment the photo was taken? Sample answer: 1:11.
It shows 12:44
